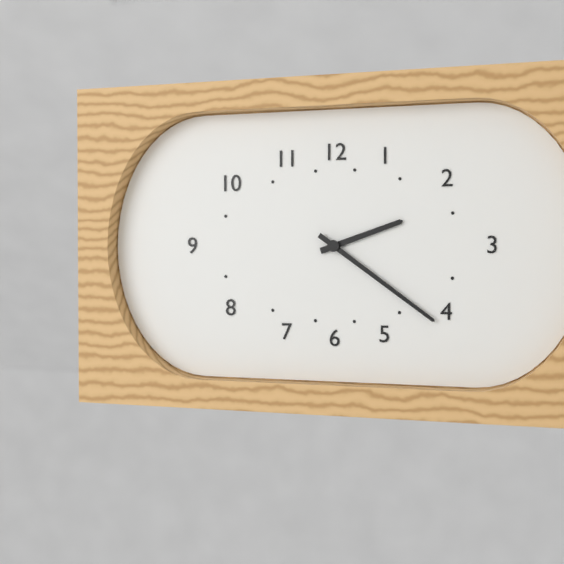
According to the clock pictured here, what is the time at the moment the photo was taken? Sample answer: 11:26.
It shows 2:21
